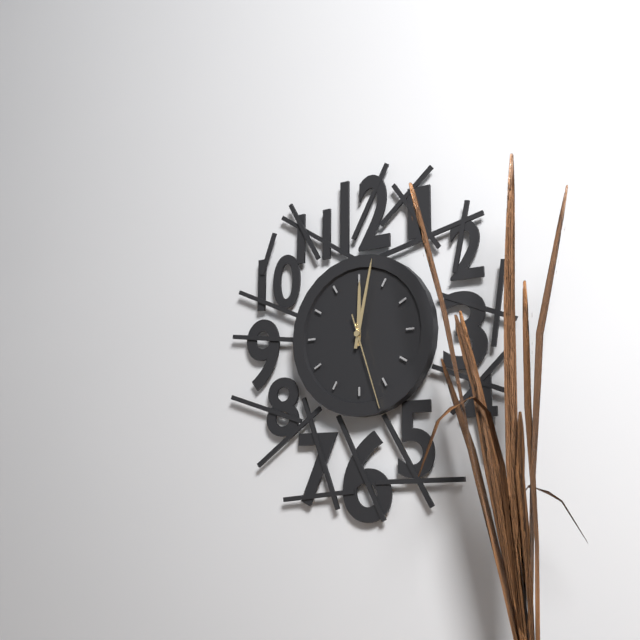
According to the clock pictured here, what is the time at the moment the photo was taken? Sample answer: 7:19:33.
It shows 12:02:27
